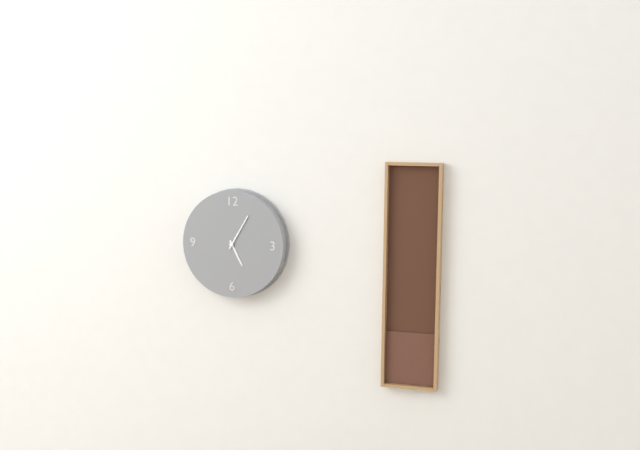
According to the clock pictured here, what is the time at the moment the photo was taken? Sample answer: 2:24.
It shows 5:05
